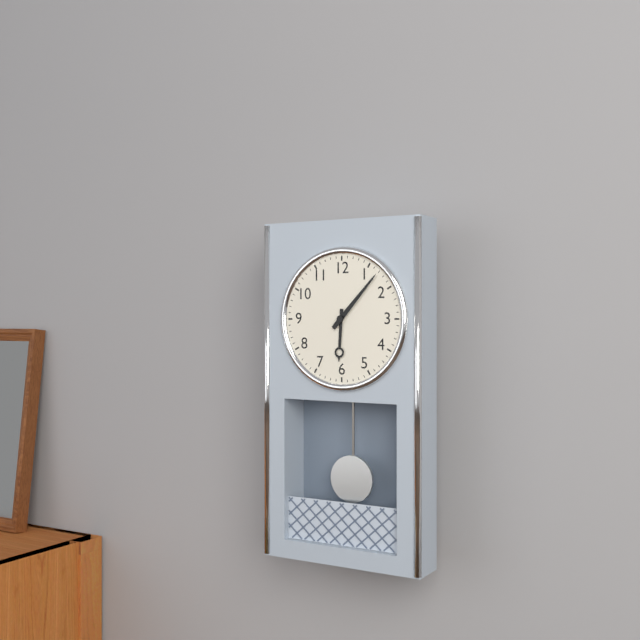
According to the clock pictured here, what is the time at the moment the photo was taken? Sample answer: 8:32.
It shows 6:07
